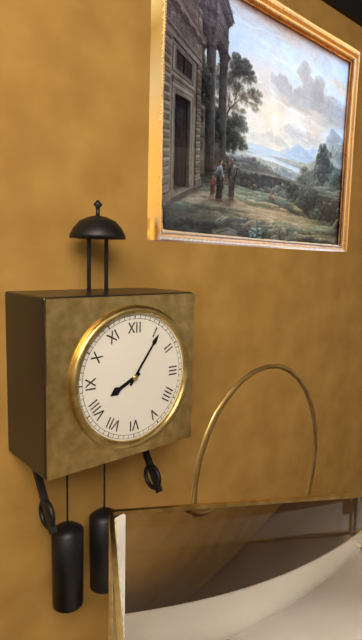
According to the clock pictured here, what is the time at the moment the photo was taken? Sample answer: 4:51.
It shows 8:06
